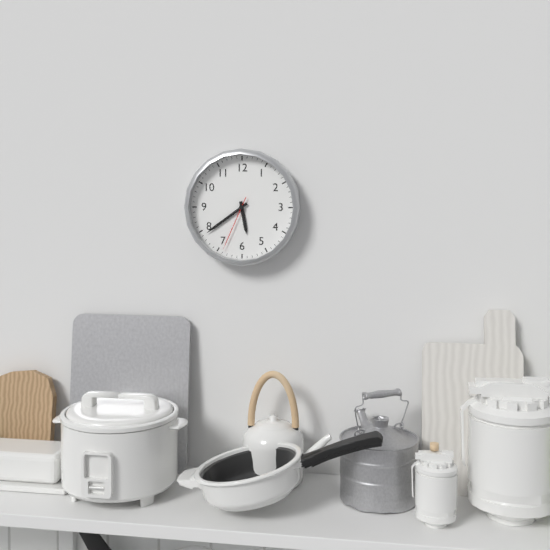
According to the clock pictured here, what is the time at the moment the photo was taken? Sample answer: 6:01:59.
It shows 5:39:34
